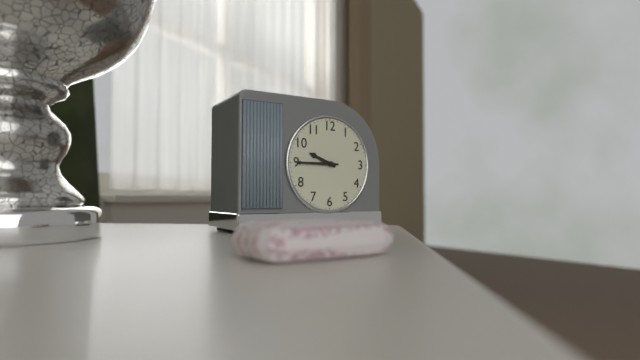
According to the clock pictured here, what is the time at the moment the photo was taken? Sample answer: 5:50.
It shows 9:45
